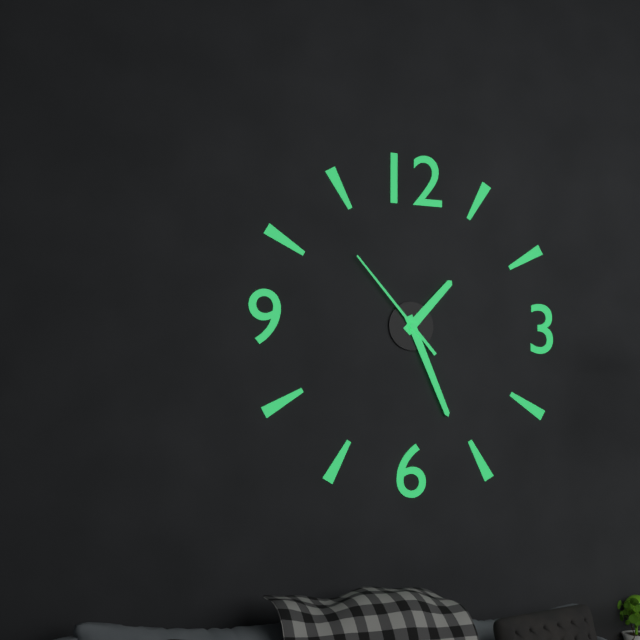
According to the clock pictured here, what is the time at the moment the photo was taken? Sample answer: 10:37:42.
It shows 1:26:53
